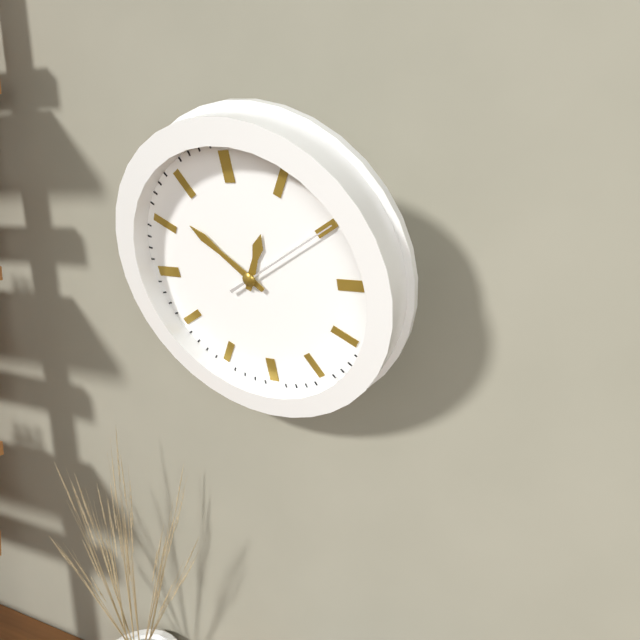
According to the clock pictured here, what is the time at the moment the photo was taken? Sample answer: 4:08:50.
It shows 12:52:10
